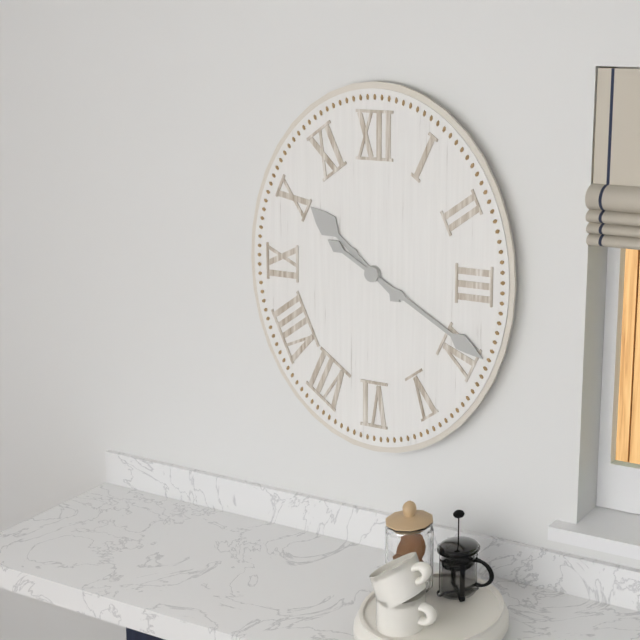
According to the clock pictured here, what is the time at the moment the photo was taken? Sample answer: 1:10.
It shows 10:20
